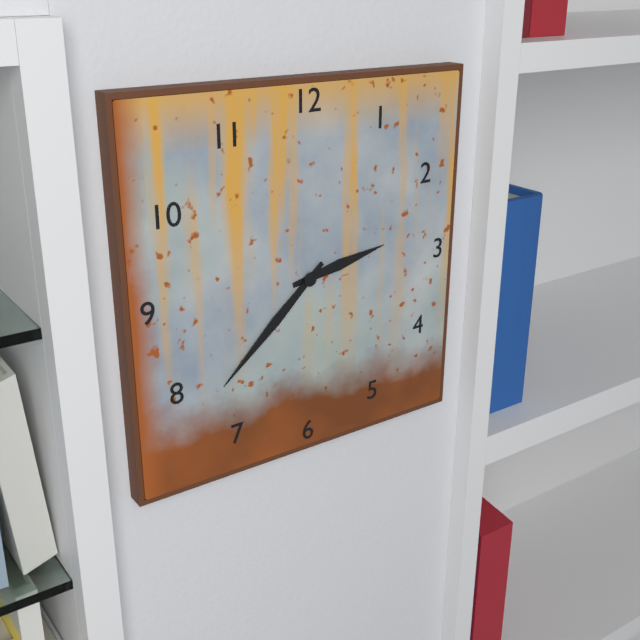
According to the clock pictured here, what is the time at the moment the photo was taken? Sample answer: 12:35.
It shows 2:38
